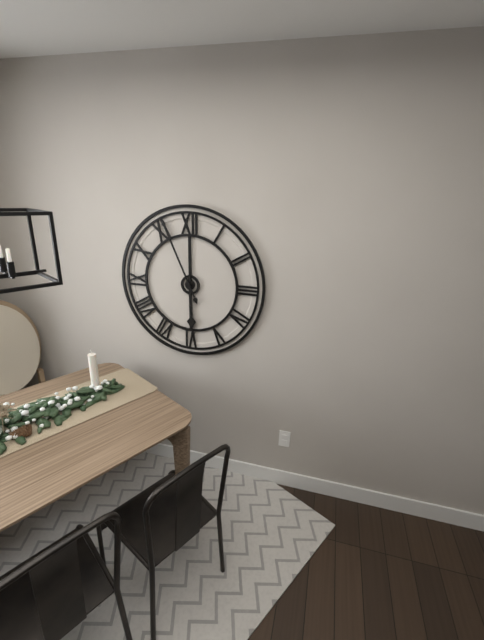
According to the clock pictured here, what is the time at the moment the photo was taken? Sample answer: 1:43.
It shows 5:56
